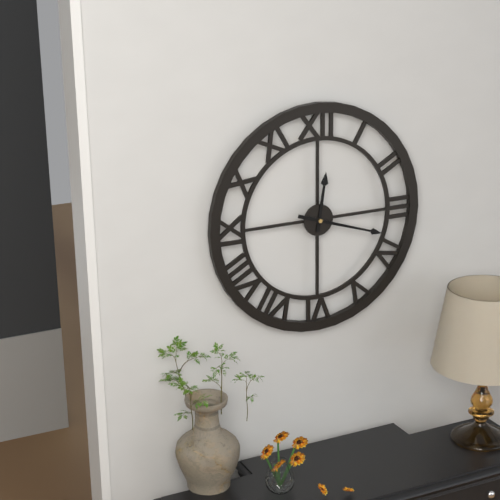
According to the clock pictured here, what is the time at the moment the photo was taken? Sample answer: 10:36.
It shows 12:18
